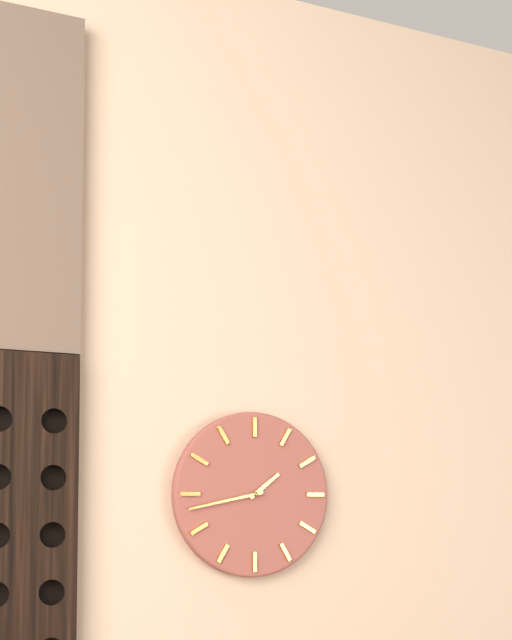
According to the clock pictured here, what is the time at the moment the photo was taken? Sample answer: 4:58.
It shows 1:43
